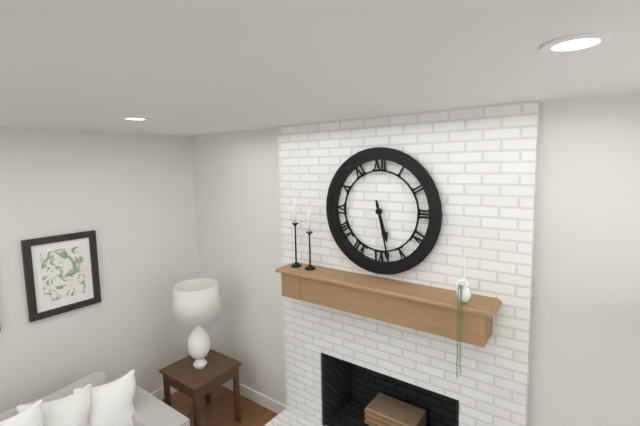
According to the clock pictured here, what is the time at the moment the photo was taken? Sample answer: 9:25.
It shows 5:28
